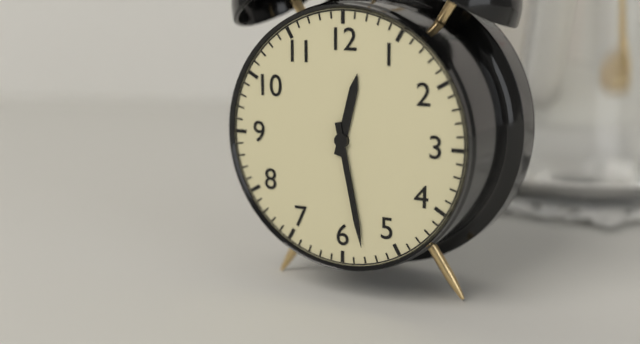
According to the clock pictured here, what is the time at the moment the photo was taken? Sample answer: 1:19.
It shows 12:28
